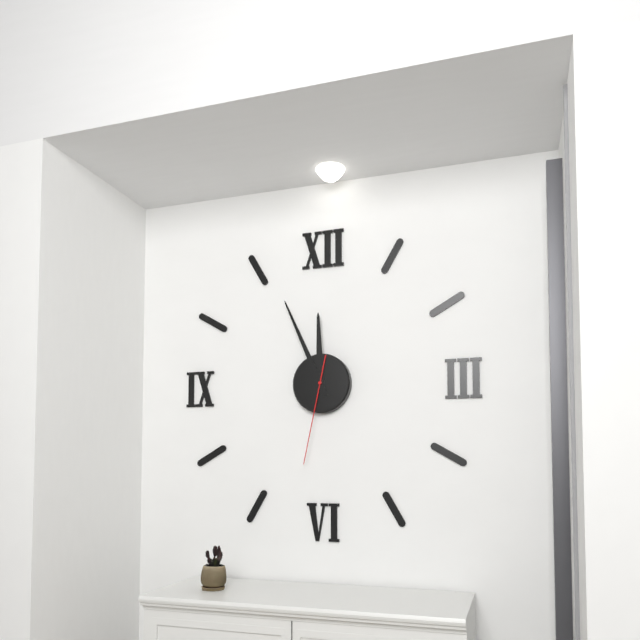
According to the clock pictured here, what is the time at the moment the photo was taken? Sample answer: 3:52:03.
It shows 11:56:32
